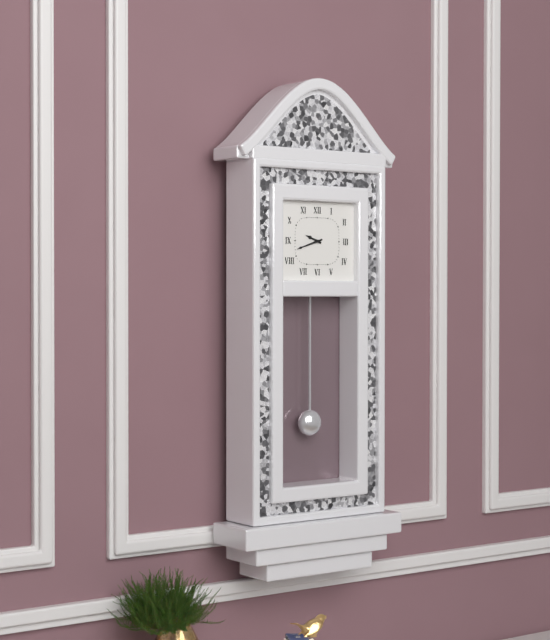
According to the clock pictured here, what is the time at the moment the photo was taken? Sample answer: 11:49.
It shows 9:42
